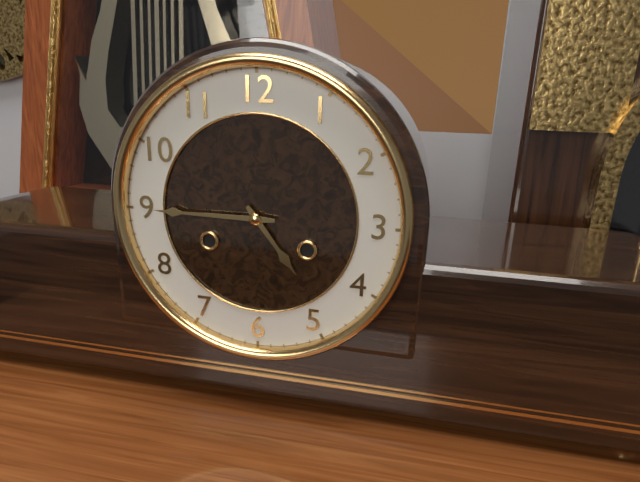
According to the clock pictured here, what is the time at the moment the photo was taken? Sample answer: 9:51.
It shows 4:45
